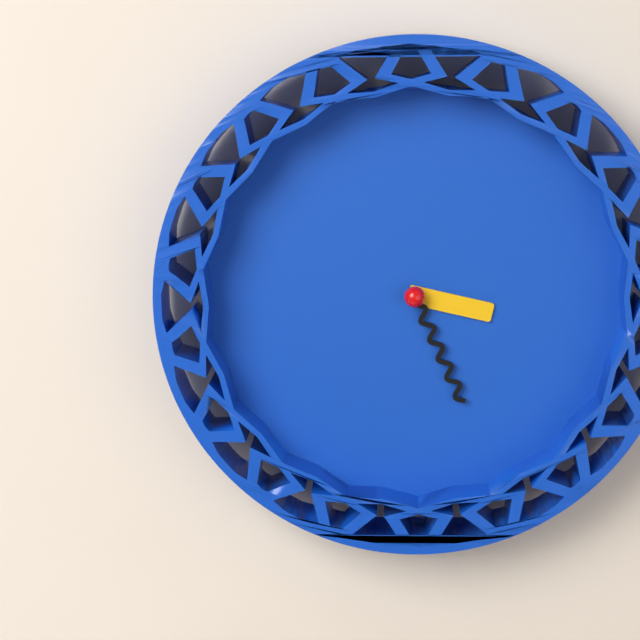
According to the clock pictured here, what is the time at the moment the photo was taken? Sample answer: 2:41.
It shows 3:26
